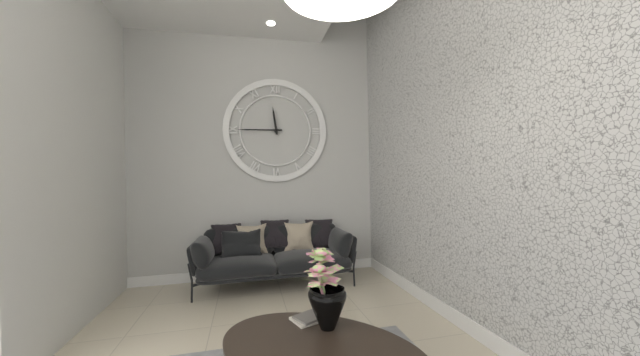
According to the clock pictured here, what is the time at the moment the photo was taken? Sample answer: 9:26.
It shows 11:45
